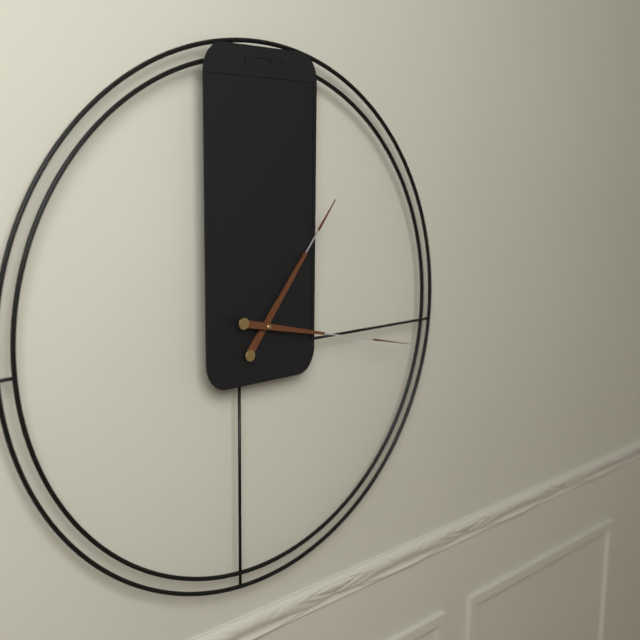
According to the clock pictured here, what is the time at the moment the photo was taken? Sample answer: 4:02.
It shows 1:17
